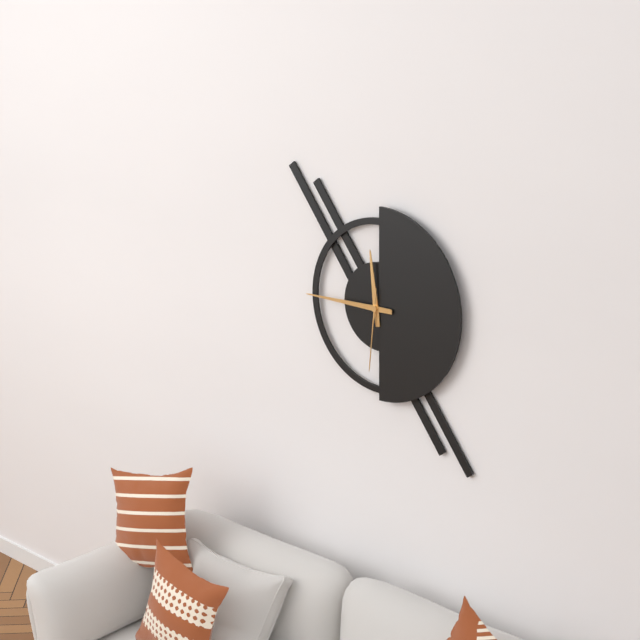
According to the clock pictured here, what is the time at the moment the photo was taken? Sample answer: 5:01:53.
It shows 11:45:31
